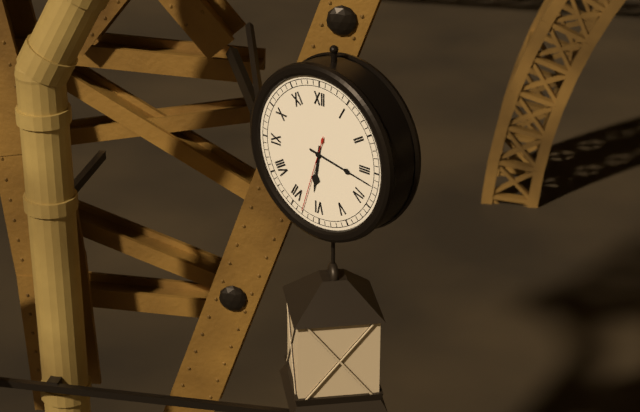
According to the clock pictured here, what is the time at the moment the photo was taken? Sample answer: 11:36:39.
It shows 6:17:33
